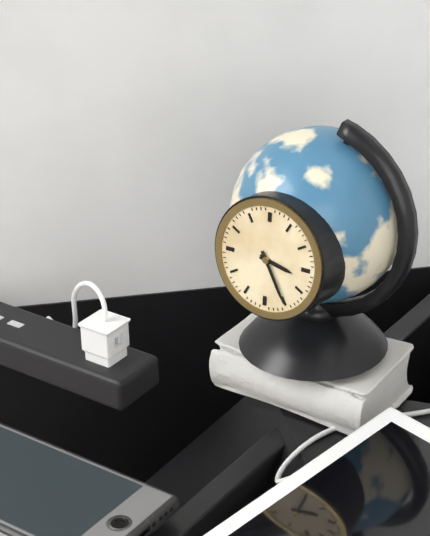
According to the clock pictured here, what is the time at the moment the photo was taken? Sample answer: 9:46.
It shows 3:25
